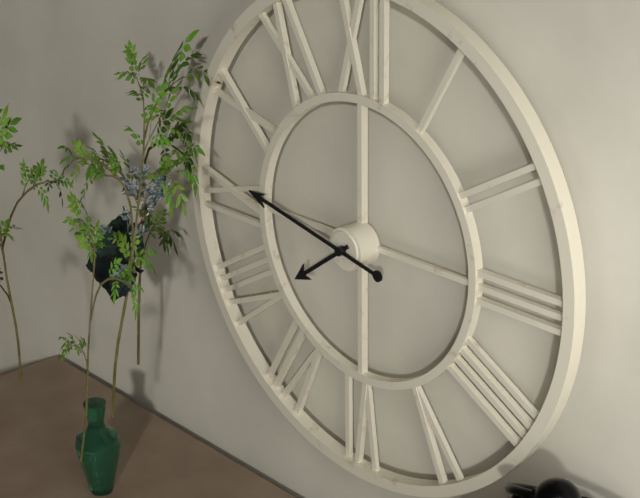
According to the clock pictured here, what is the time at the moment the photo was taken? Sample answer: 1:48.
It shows 7:47
